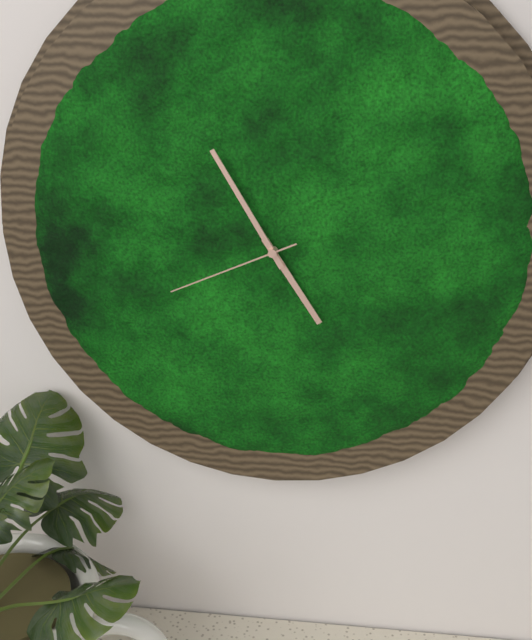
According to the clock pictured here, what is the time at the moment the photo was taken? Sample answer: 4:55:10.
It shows 4:55:41
